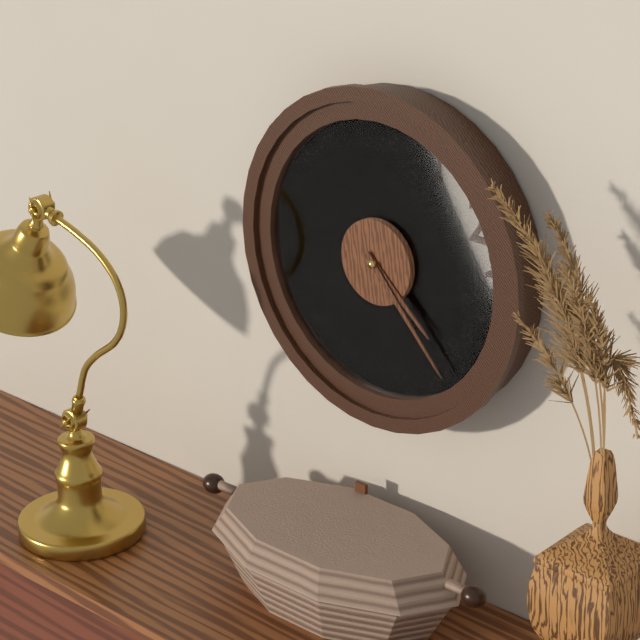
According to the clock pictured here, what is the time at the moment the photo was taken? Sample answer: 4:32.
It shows 4:23
